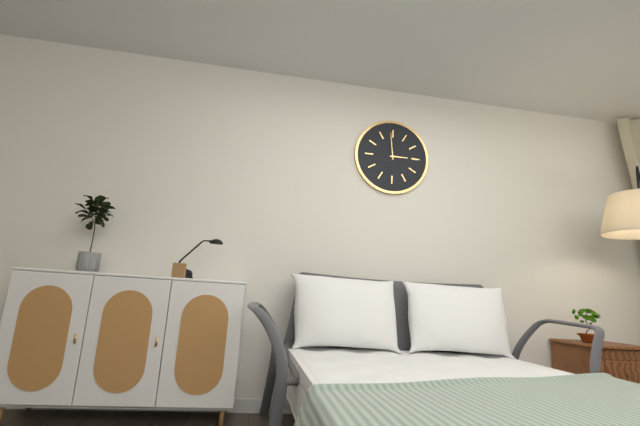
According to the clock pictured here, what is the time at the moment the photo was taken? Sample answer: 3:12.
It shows 2:59
